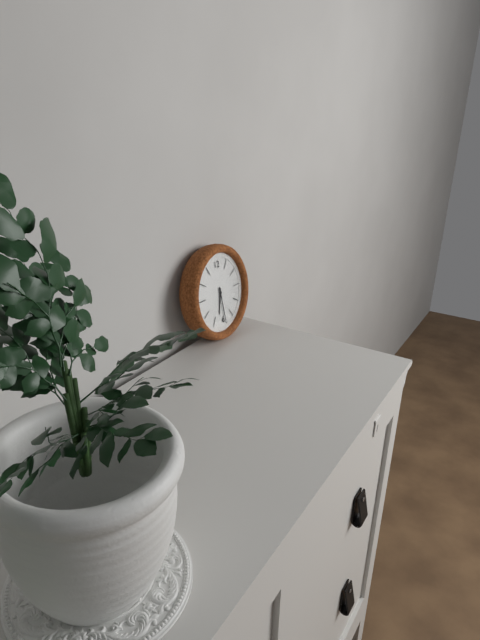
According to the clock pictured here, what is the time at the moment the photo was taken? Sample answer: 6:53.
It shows 6:29
